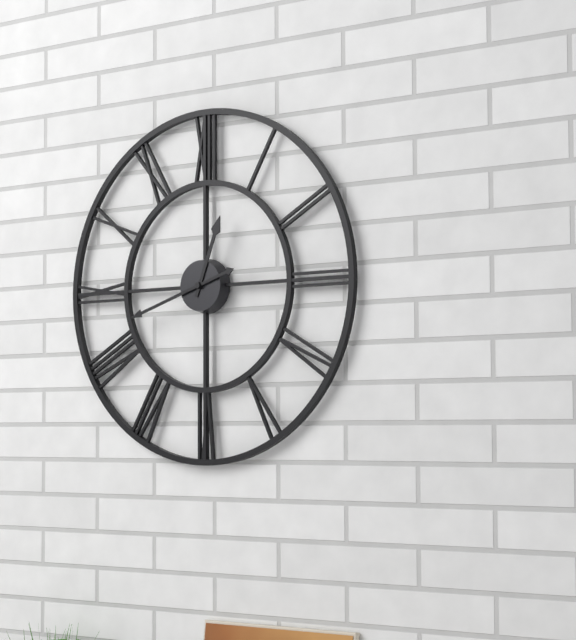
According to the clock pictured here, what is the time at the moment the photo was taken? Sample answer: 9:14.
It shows 12:42
